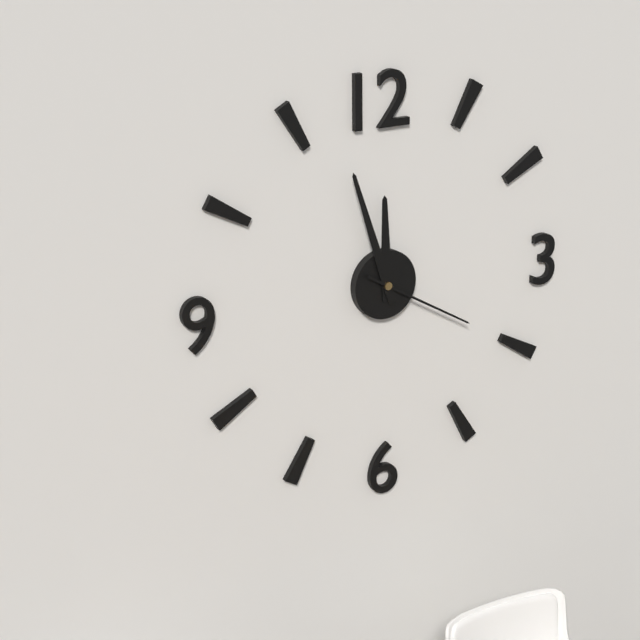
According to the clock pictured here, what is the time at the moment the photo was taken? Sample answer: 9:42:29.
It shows 11:57:20
